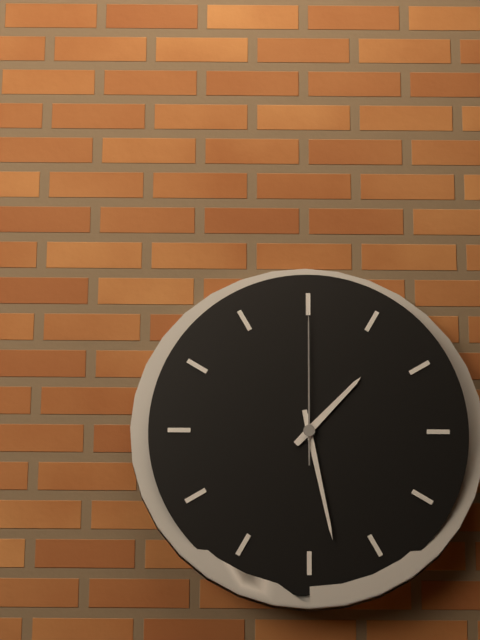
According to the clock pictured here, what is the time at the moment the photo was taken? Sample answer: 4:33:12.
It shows 1:28:00
